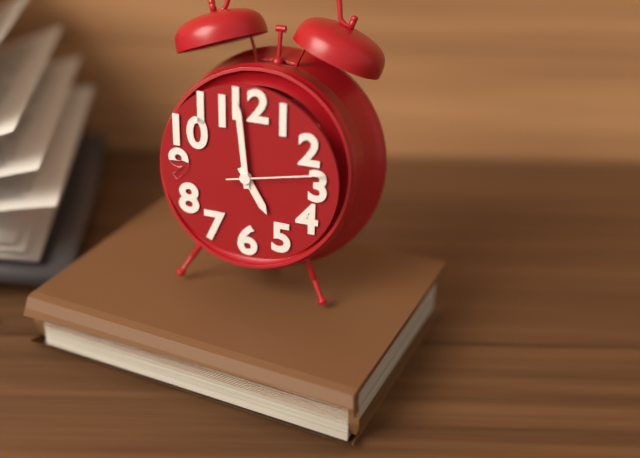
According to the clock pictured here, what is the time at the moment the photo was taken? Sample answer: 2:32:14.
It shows 4:59:13
